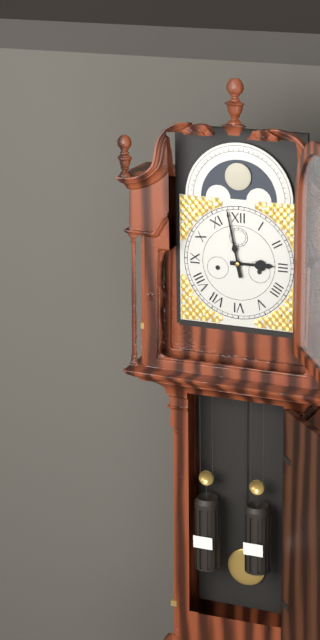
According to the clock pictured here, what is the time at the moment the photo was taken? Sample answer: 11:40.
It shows 2:58
